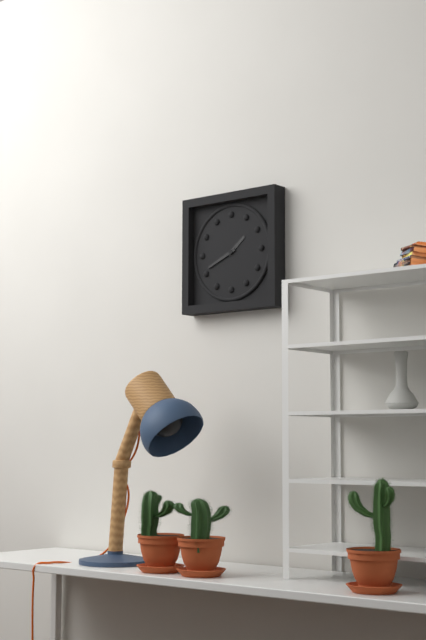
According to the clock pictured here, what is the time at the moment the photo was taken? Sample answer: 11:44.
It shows 1:41
